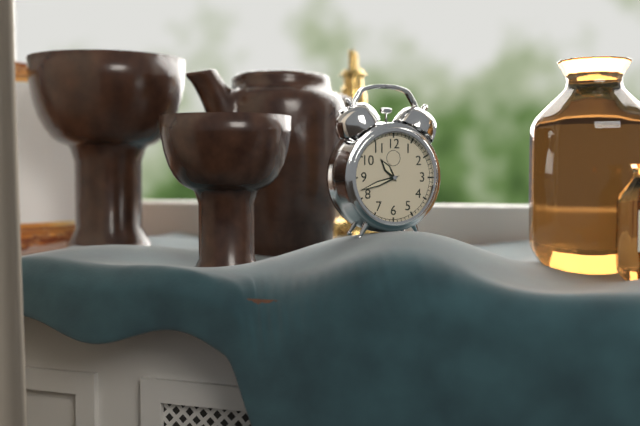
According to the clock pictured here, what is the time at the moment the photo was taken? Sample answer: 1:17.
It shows 10:42
